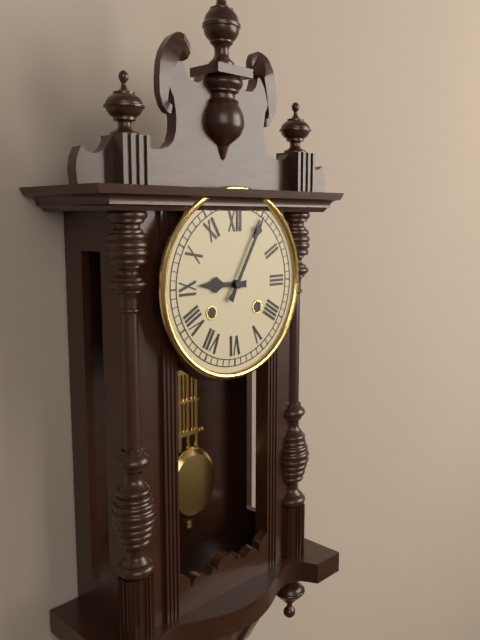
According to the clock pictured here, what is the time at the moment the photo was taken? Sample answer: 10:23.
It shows 9:05
